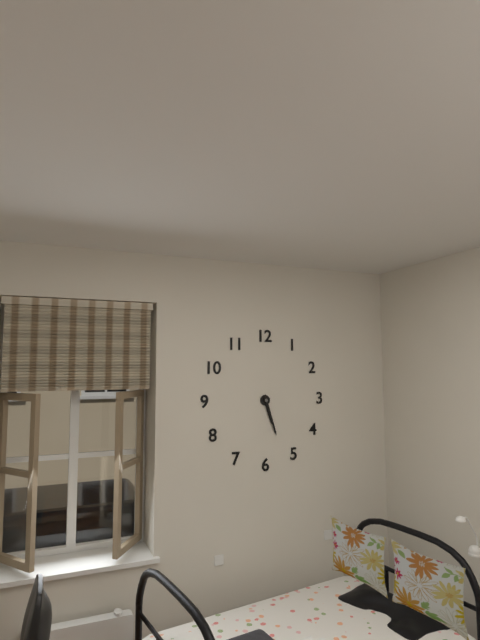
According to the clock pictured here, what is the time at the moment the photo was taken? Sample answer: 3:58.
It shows 5:27
